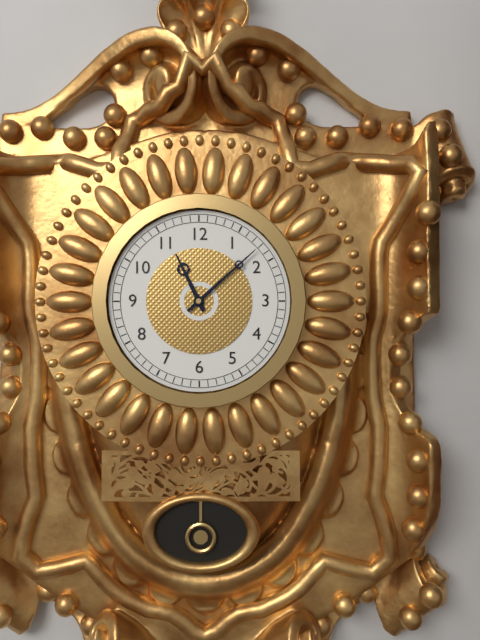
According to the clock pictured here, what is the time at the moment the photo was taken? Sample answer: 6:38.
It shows 11:08
